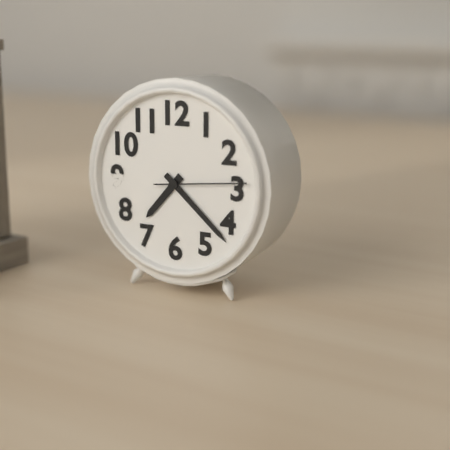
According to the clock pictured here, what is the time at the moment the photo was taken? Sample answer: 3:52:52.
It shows 7:22:14
